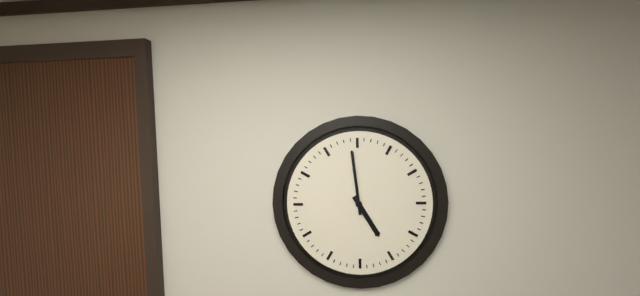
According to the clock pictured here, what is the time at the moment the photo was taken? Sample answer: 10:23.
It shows 4:59
